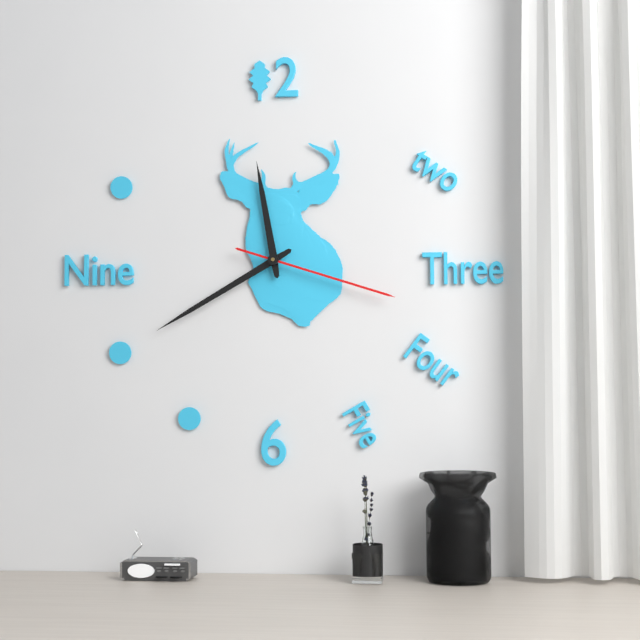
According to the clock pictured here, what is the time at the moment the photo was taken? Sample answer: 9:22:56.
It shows 11:40:18
